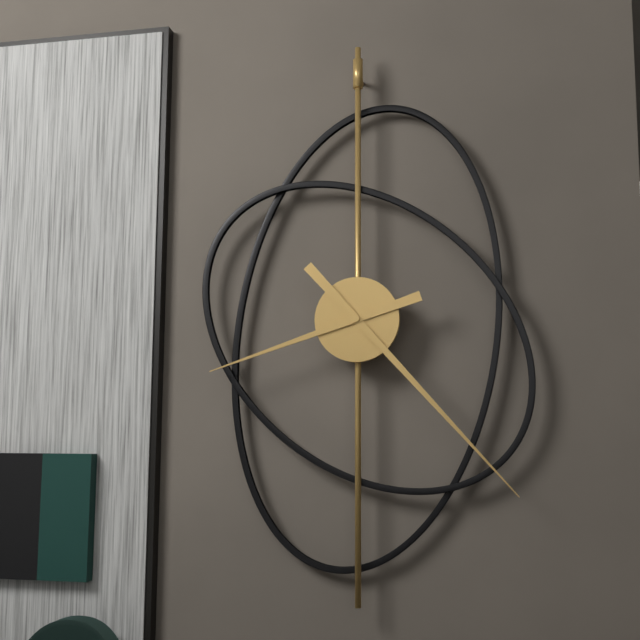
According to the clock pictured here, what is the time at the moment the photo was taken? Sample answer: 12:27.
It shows 8:23
